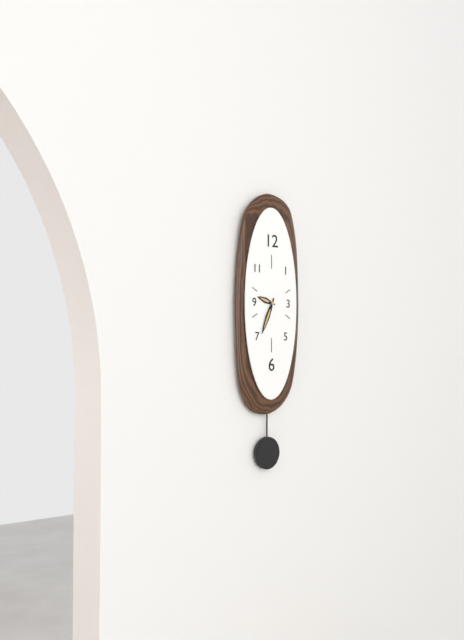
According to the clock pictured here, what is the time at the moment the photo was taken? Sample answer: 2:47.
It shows 9:34
